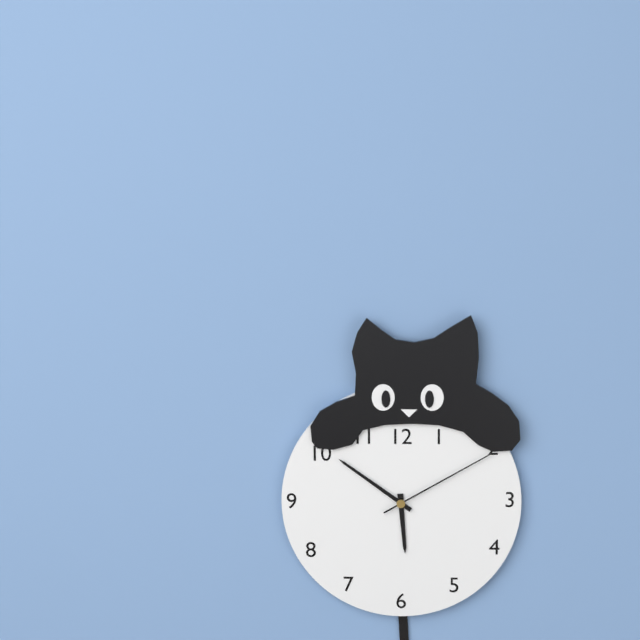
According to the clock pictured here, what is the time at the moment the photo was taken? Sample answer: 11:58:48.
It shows 5:51:10
